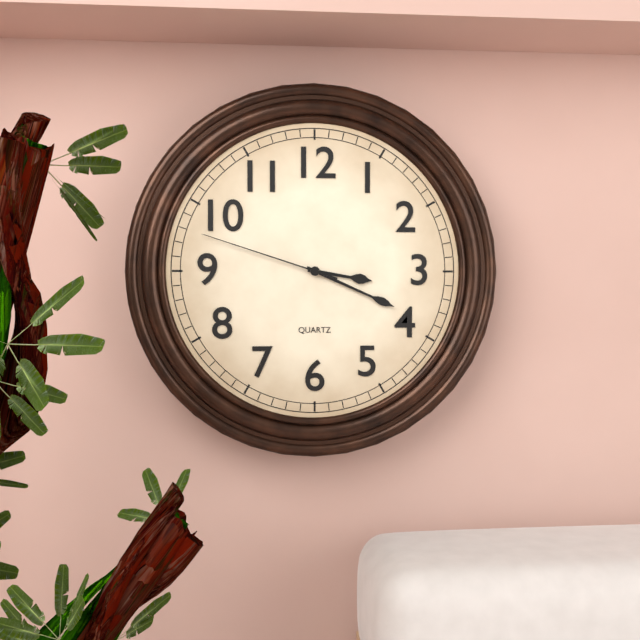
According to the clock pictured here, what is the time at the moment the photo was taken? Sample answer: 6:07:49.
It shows 3:19:48
